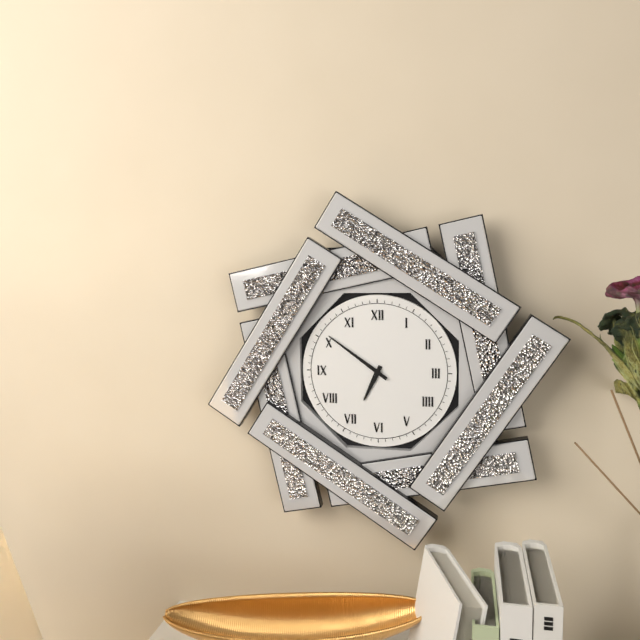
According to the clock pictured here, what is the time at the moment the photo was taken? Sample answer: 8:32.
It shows 6:51
